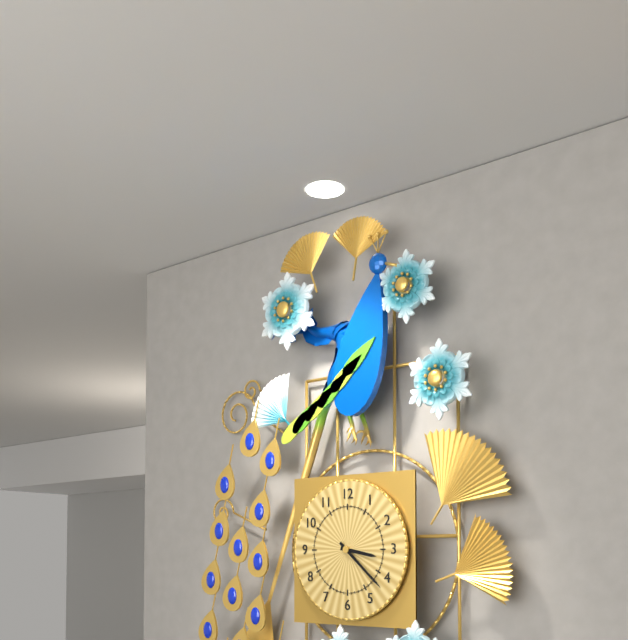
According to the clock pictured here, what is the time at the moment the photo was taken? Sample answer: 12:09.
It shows 3:22
